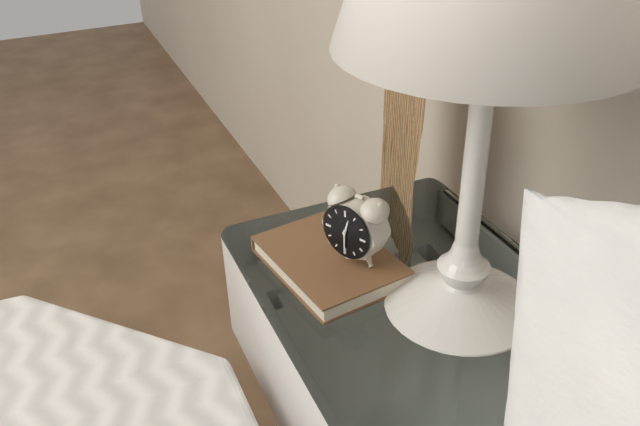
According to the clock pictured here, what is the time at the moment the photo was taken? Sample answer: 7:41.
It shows 12:30
